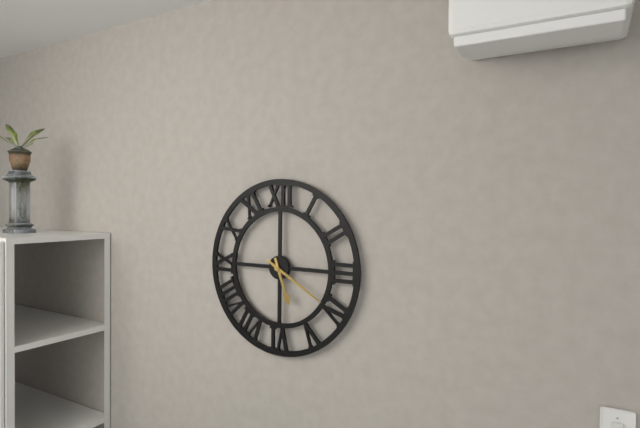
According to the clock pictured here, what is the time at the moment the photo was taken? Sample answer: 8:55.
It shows 5:20
